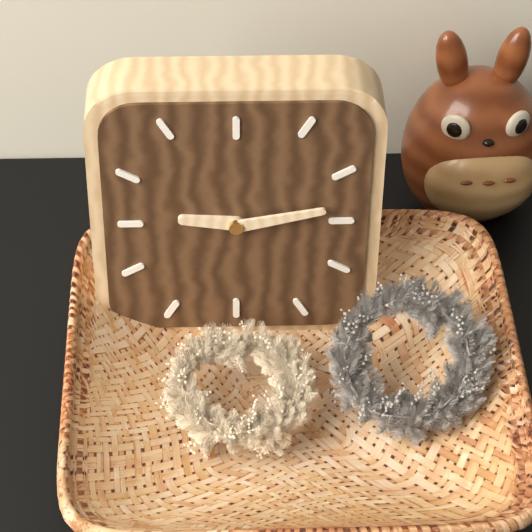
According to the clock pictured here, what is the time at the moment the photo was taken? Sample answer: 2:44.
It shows 9:13
